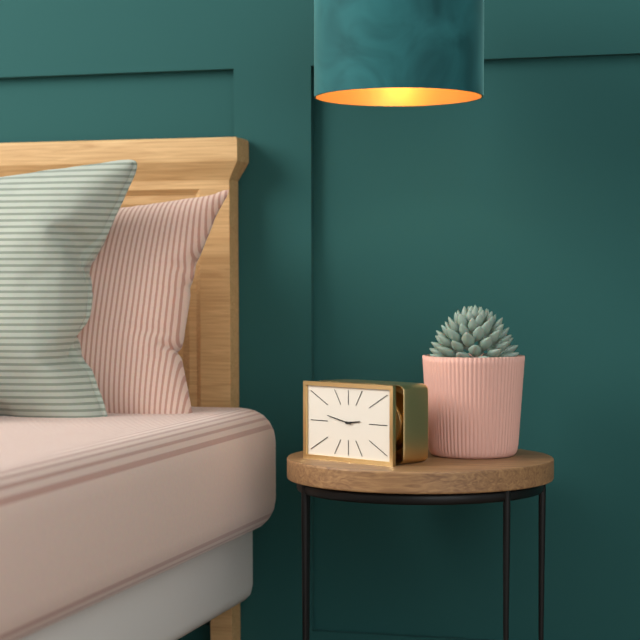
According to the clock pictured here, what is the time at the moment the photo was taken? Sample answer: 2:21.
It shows 2:47
